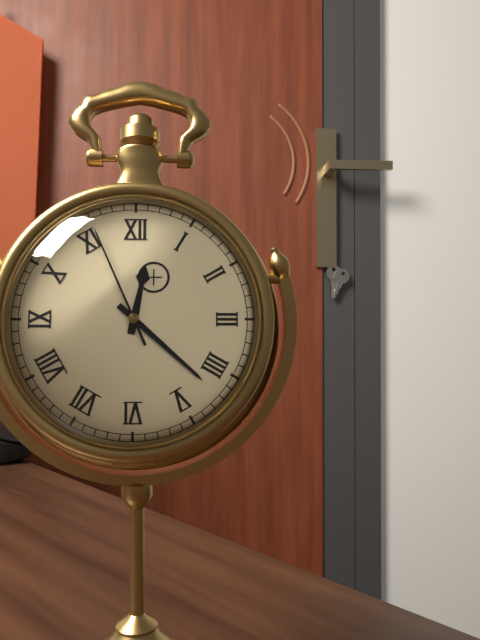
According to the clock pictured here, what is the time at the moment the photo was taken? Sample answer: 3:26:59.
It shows 12:22:56
